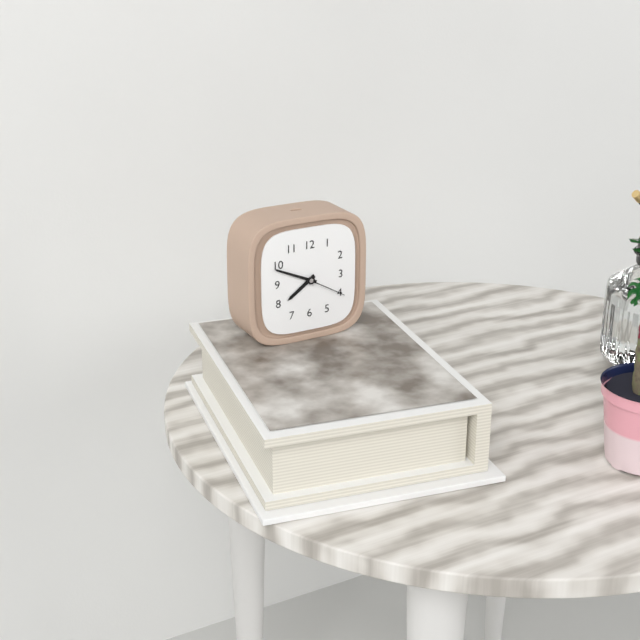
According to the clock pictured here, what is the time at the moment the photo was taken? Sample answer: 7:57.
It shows 7:49
